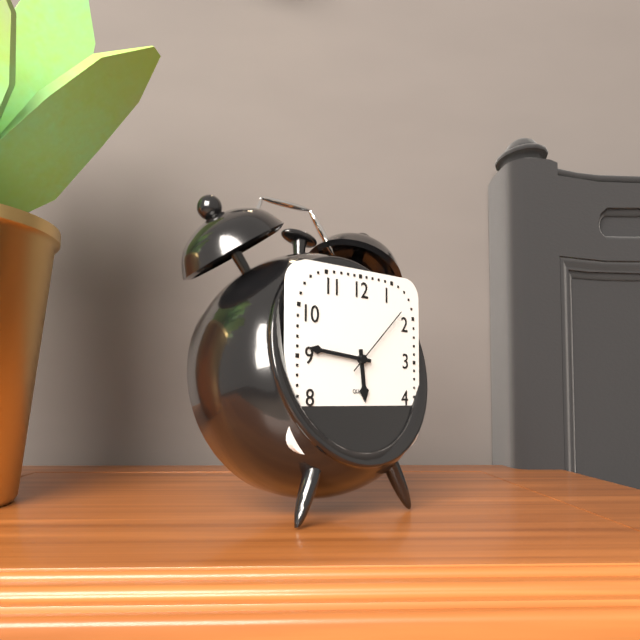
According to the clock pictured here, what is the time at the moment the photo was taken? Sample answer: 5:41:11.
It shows 5:46:08
